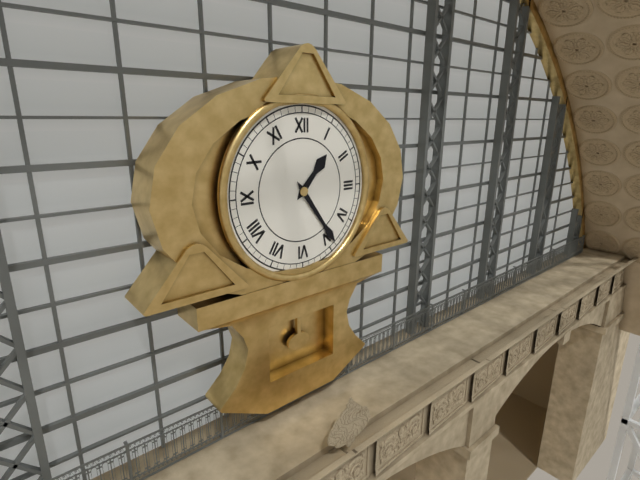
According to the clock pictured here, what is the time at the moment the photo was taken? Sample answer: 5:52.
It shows 1:24
